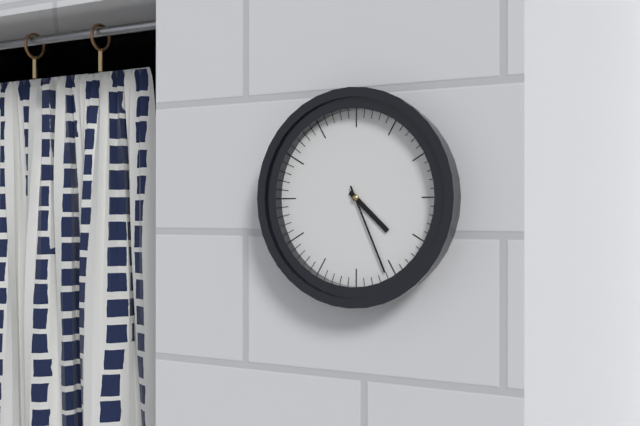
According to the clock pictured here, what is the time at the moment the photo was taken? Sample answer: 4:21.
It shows 4:26
